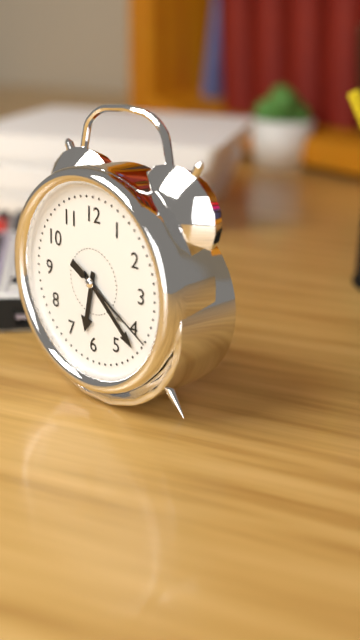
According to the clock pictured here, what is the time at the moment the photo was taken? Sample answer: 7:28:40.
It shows 6:22:20
